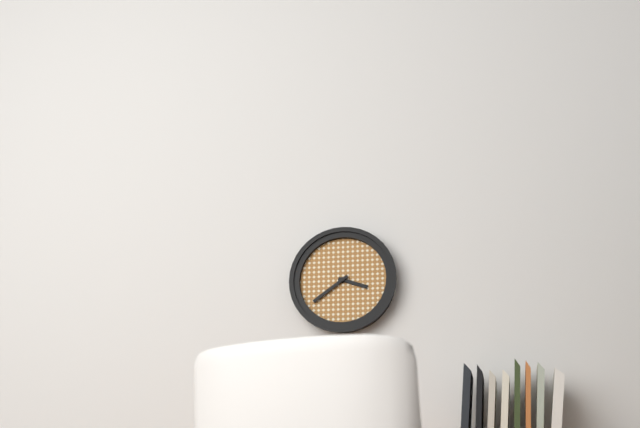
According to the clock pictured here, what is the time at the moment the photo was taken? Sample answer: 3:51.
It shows 3:39
